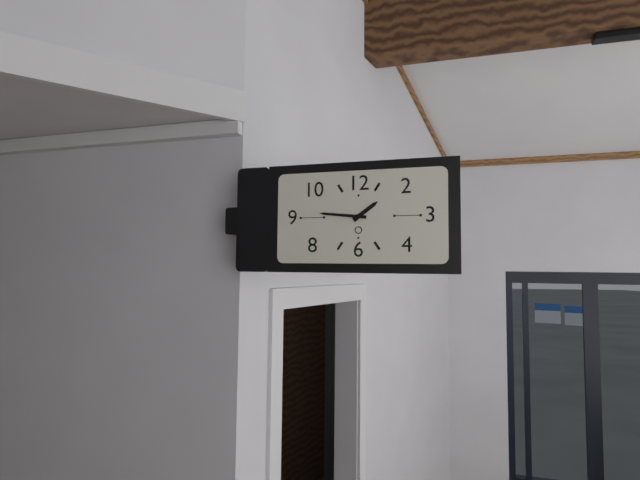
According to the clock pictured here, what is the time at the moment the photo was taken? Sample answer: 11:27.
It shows 1:46
